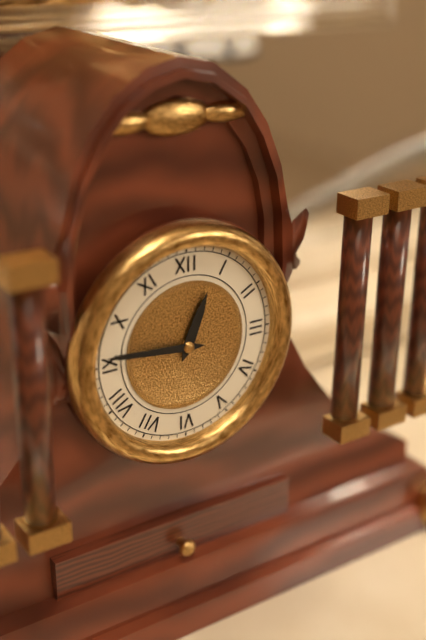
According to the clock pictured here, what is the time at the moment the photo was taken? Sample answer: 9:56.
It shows 12:46
